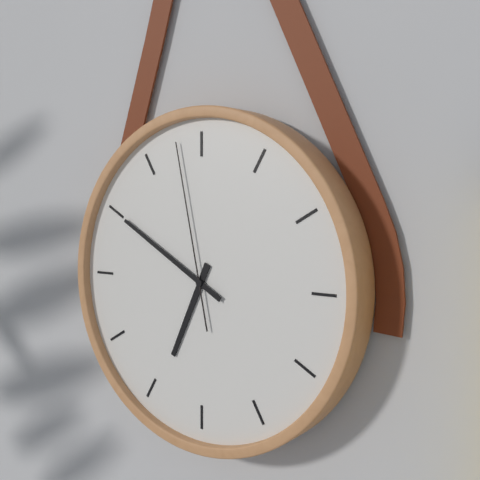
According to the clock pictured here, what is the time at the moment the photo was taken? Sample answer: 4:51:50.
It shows 6:50:58
